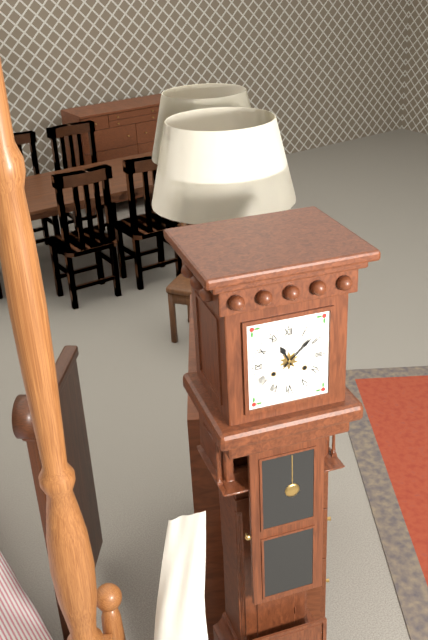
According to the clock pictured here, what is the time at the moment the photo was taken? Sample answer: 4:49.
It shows 11:08
